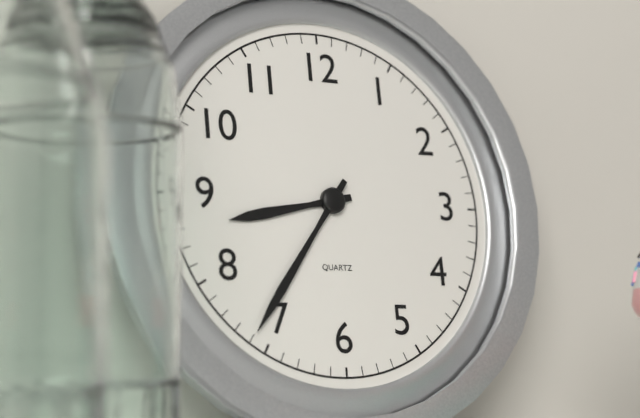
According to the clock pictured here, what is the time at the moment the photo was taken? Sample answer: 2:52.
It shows 8:36
